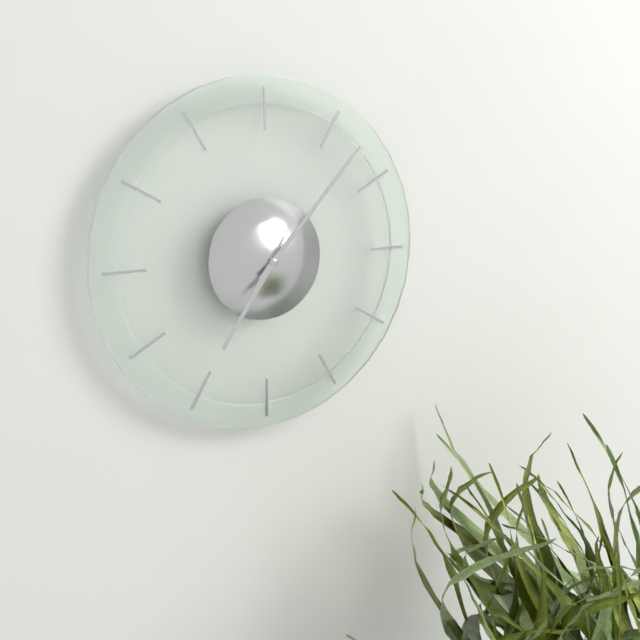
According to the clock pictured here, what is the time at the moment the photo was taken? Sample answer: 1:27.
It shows 7:07
